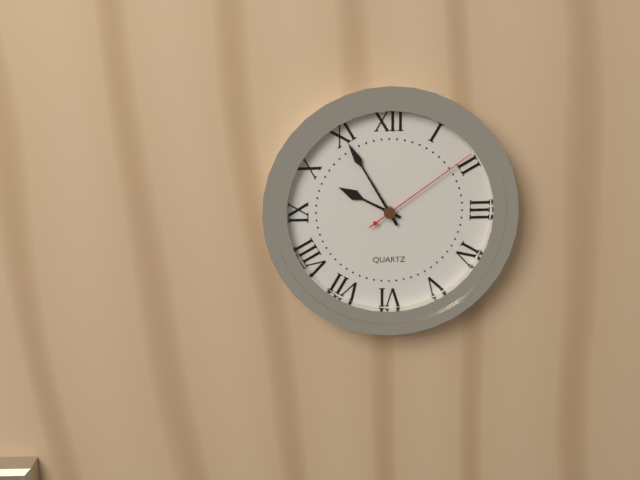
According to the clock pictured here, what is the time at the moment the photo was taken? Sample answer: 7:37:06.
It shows 9:55:09
